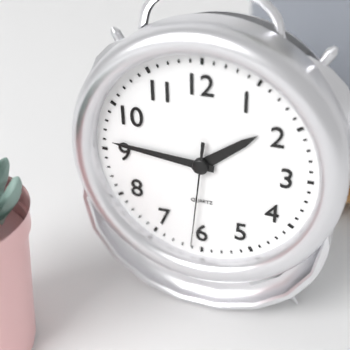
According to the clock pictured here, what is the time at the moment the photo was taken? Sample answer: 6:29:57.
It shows 1:46:31
